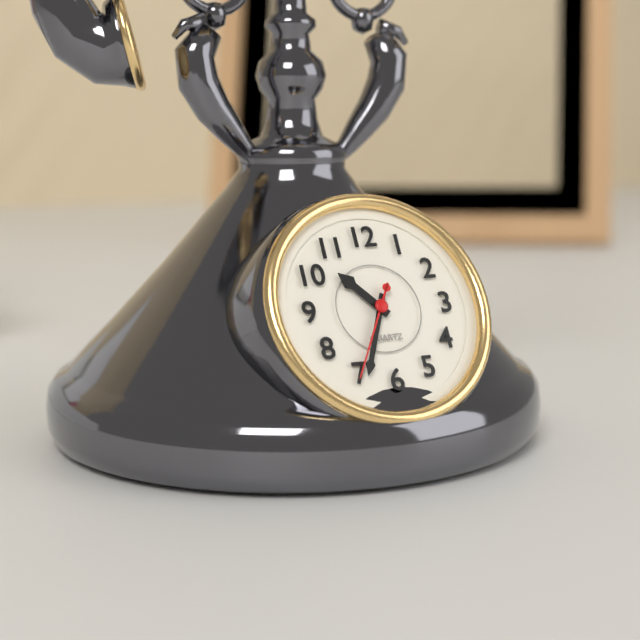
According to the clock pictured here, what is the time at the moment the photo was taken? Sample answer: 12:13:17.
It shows 10:34:35
